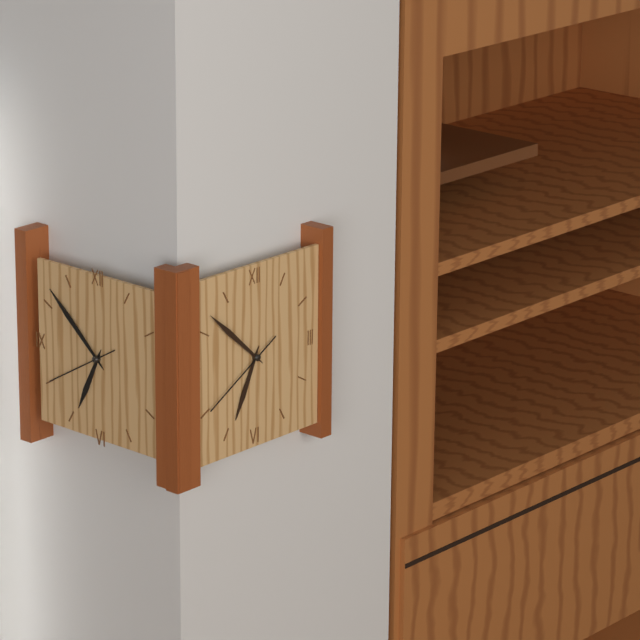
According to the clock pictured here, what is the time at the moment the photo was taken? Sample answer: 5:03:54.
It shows 6:52:40
